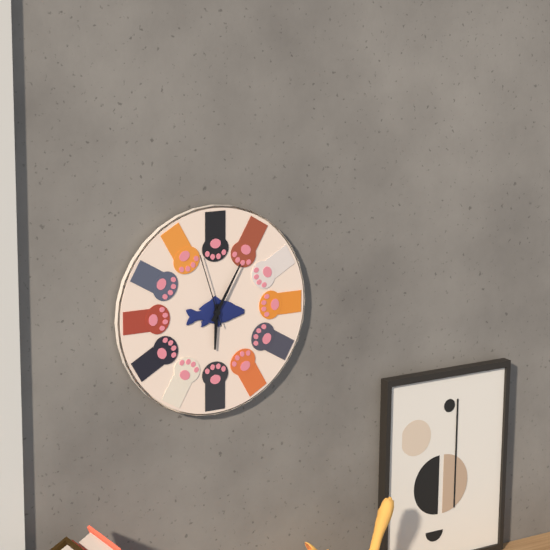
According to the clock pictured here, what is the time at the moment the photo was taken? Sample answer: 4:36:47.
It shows 6:05:57
